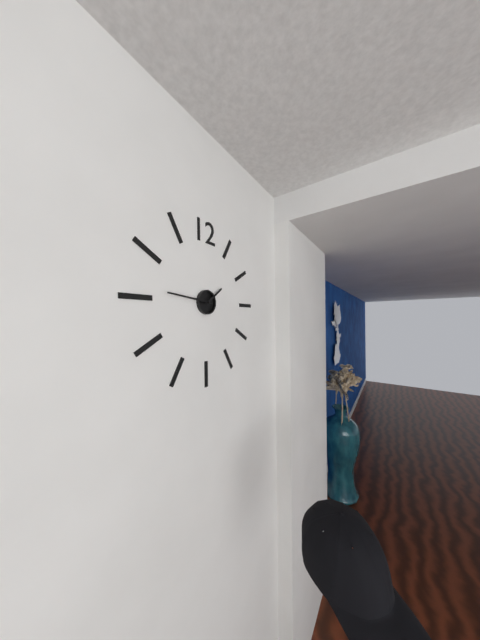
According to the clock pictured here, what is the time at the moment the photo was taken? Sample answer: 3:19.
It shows 1:46
